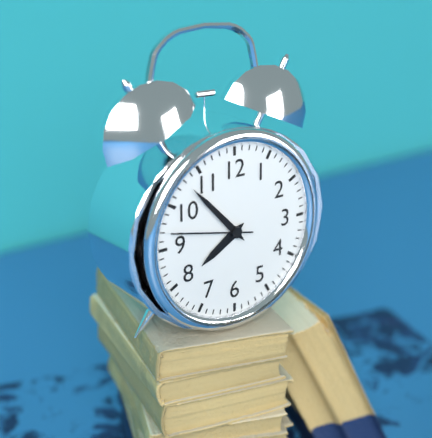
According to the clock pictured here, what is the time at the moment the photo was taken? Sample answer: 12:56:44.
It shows 7:53:47
